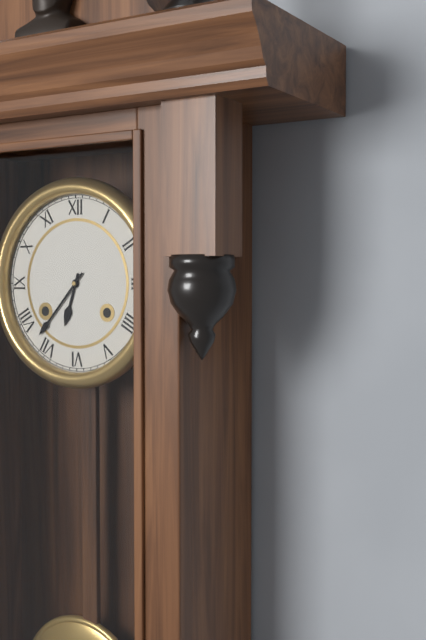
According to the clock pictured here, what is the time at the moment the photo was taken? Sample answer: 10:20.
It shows 6:37
